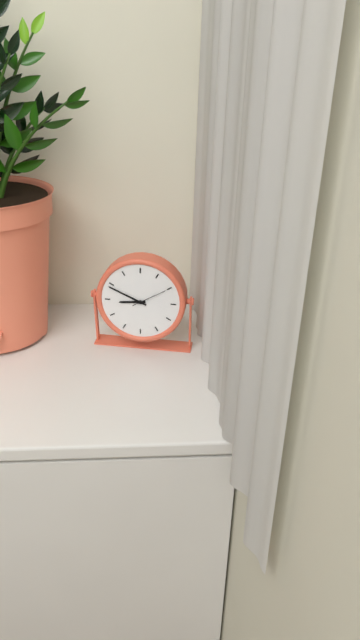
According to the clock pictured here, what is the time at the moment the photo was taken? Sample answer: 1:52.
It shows 8:49
